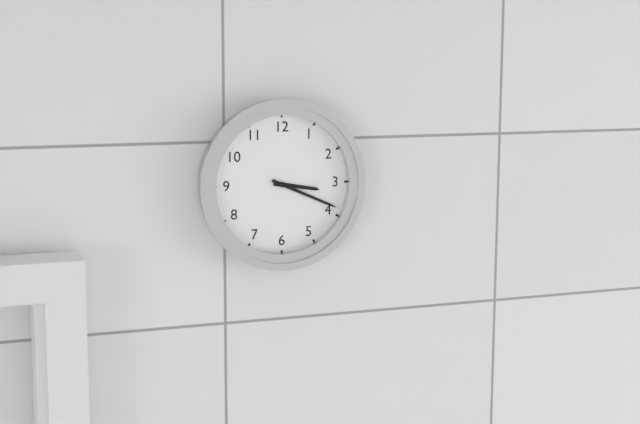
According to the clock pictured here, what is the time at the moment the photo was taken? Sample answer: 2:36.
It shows 3:19
